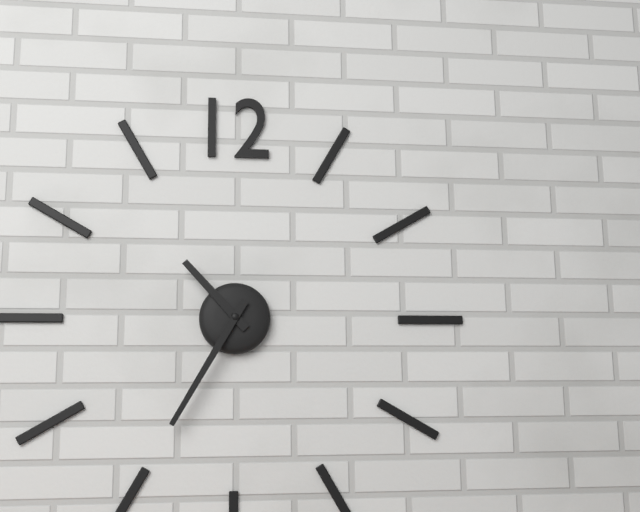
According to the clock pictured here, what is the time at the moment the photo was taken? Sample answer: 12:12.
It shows 10:35
